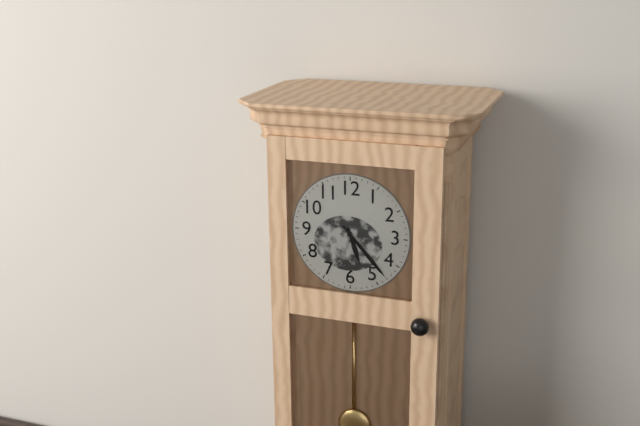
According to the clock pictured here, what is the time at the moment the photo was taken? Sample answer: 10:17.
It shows 5:23
